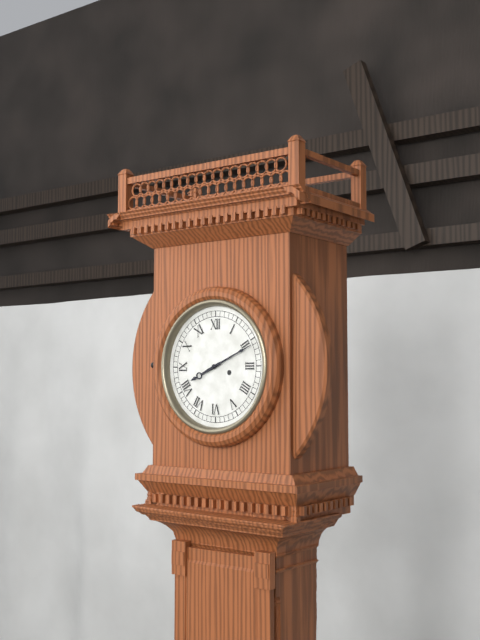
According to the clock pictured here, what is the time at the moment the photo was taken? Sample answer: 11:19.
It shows 8:11
